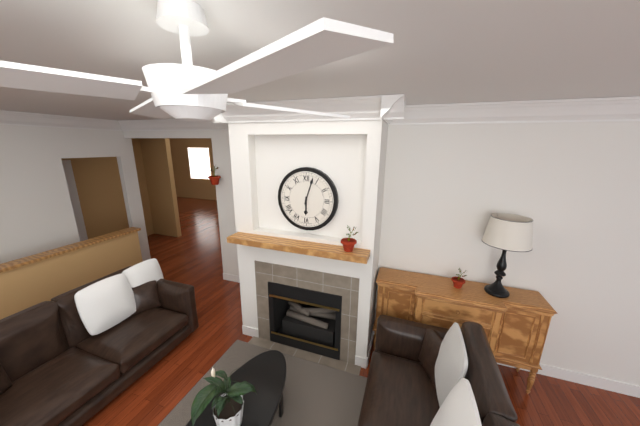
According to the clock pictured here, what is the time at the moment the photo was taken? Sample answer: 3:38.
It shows 6:03
